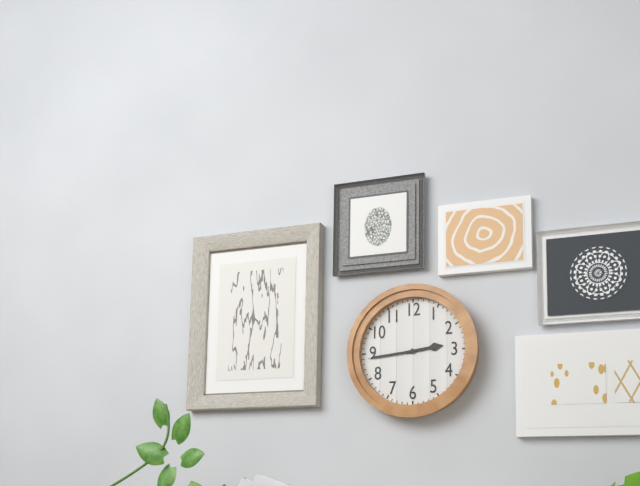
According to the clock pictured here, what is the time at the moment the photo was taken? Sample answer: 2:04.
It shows 2:44
